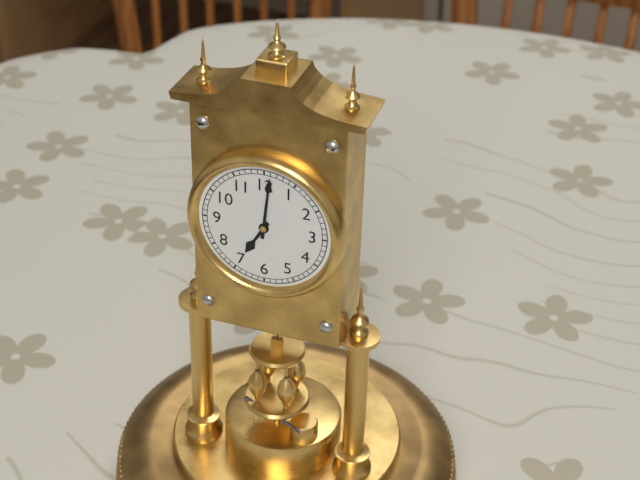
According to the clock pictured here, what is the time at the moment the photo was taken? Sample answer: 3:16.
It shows 7:01
